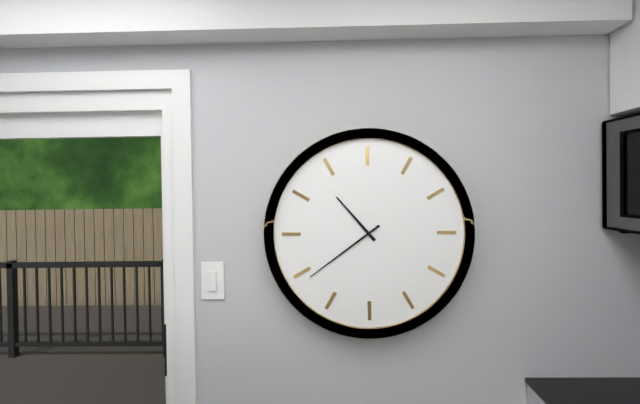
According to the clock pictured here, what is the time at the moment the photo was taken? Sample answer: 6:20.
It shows 10:39
